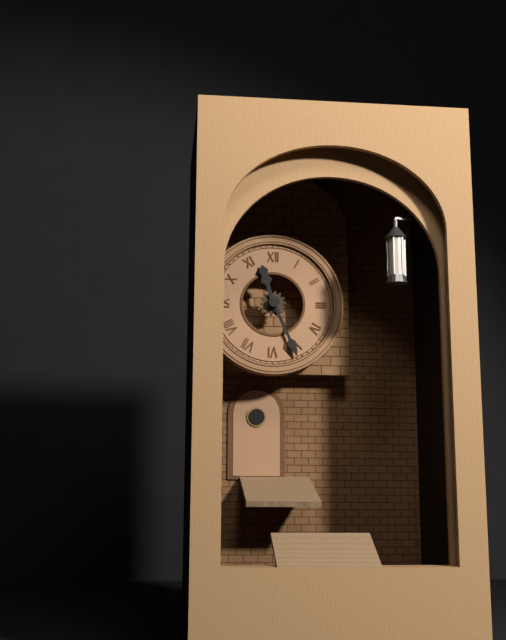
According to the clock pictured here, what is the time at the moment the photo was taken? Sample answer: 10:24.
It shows 11:26
